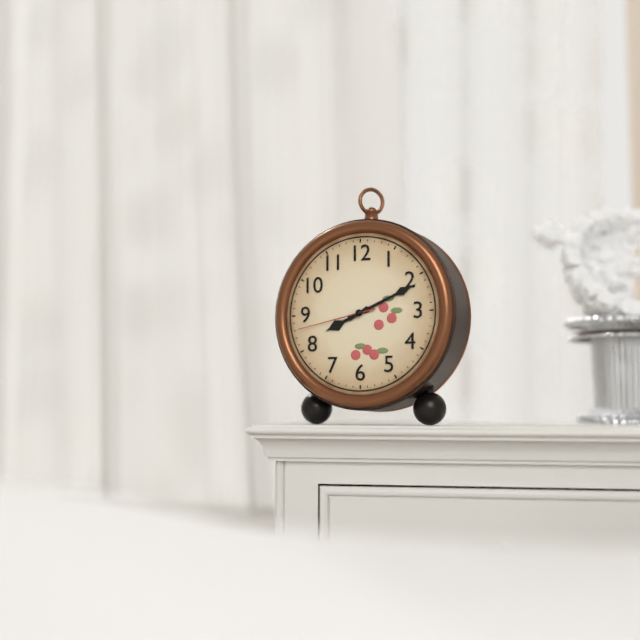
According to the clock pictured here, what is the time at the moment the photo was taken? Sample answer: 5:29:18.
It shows 8:11:43
